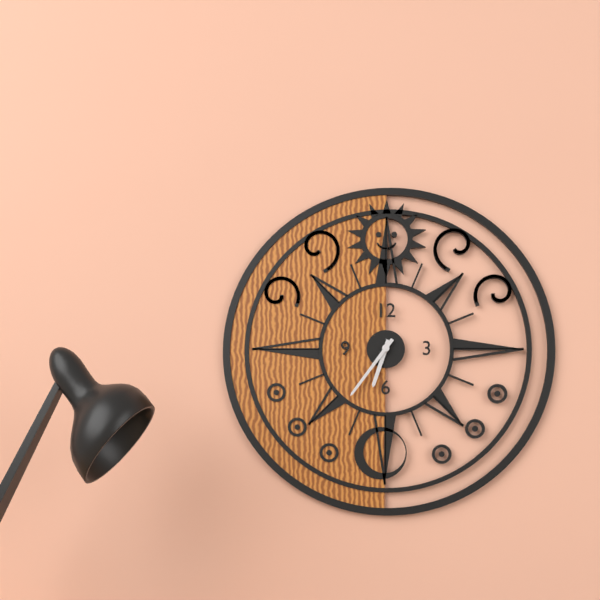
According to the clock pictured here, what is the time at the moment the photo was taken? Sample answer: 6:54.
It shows 6:36
